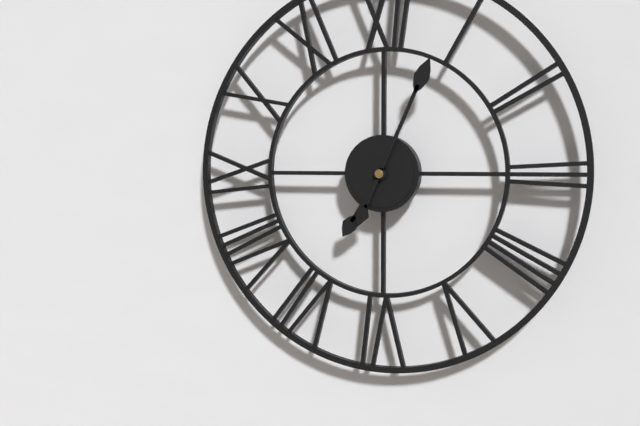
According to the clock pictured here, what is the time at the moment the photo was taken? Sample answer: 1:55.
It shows 7:04
